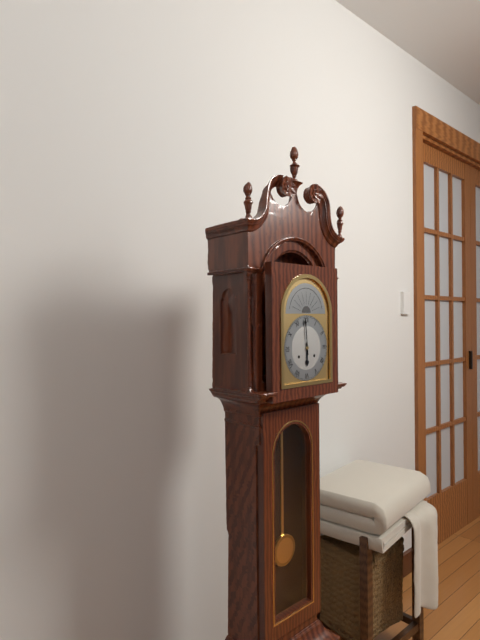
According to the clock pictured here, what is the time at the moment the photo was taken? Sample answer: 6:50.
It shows 5:59
